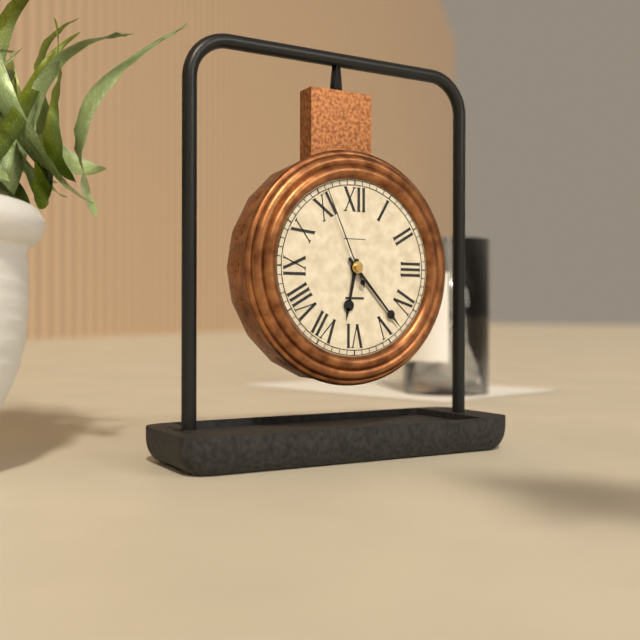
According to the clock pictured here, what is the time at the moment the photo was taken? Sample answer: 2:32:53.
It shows 6:23:56
